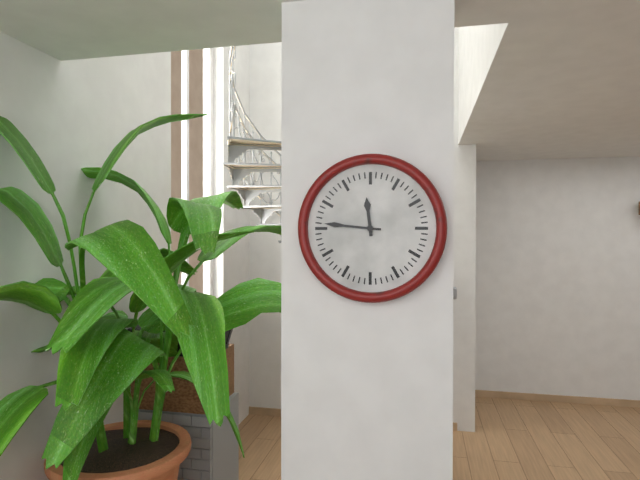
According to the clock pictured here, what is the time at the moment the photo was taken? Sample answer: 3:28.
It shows 11:46
